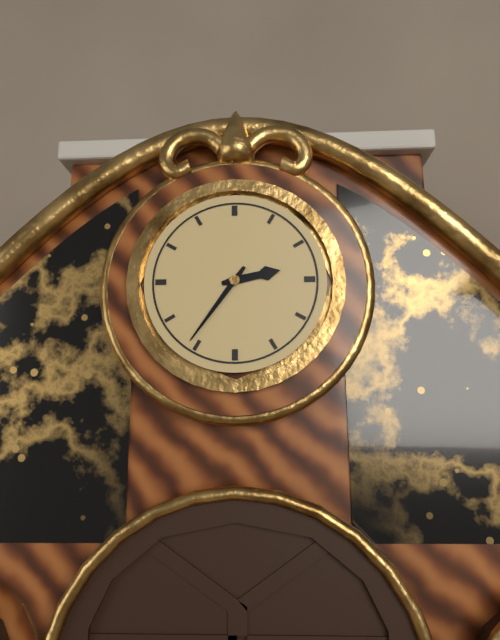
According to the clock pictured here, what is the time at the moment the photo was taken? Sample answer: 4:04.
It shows 2:36
